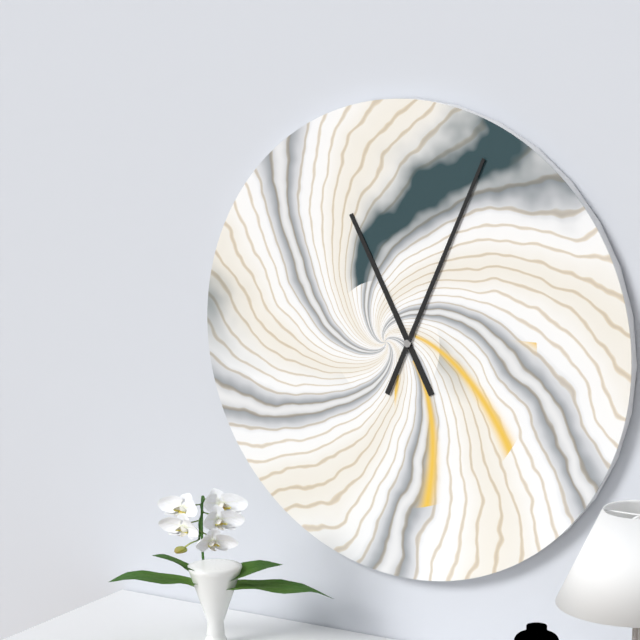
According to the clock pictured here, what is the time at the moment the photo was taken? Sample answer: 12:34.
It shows 11:04
